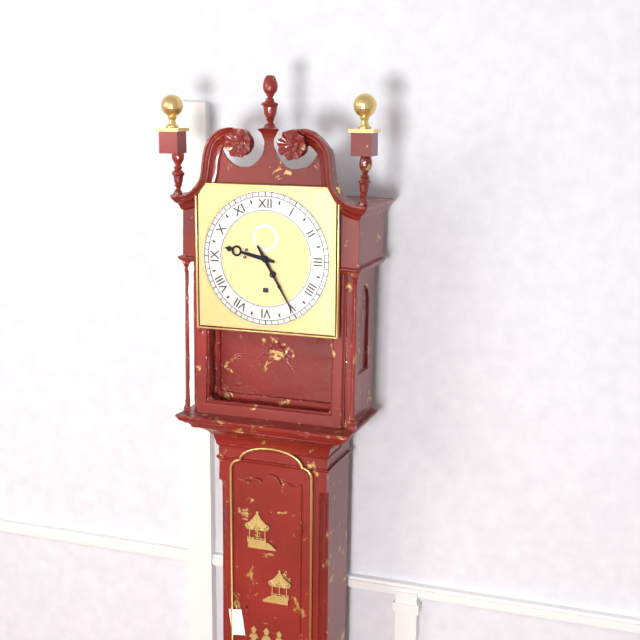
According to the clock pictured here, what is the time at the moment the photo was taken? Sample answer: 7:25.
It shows 9:25
